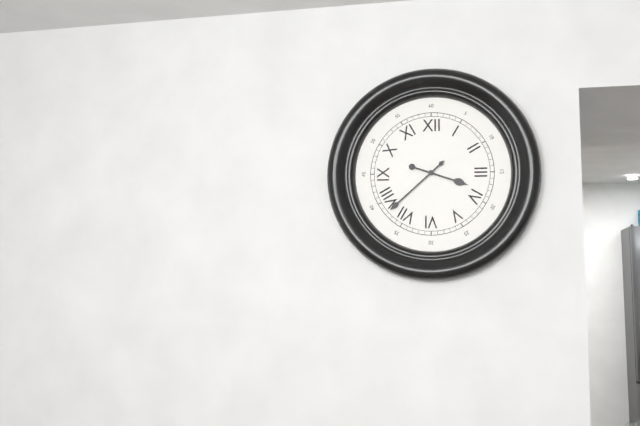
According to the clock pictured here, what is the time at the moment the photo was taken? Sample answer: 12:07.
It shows 3:38
